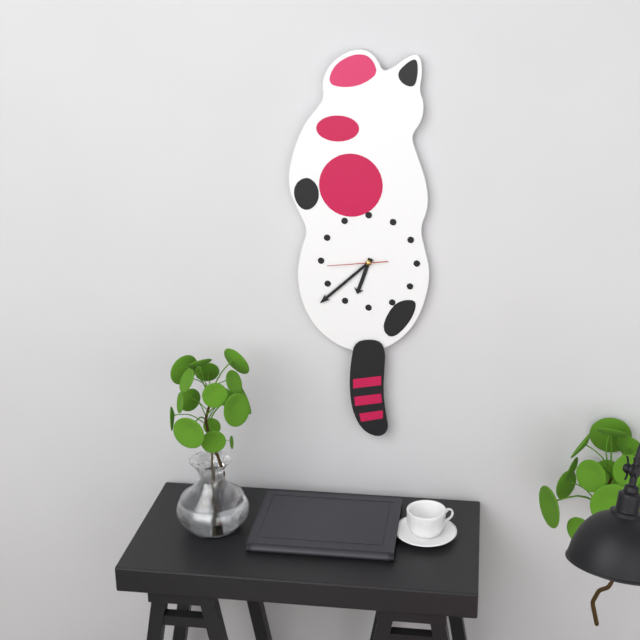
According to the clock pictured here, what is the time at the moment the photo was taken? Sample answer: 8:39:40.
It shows 6:38:44
